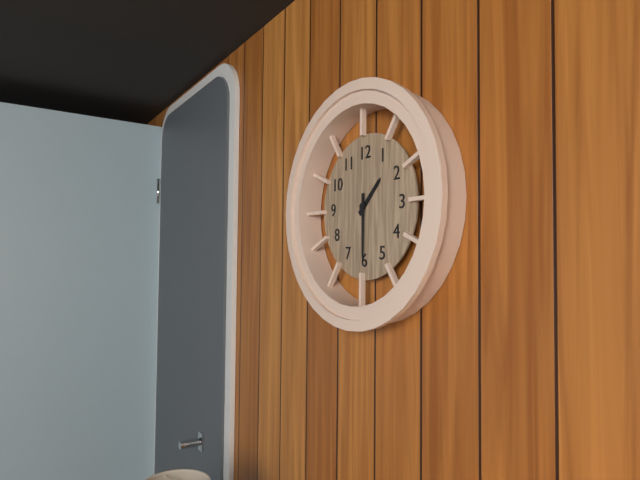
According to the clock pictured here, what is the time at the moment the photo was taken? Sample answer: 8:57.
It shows 1:30
